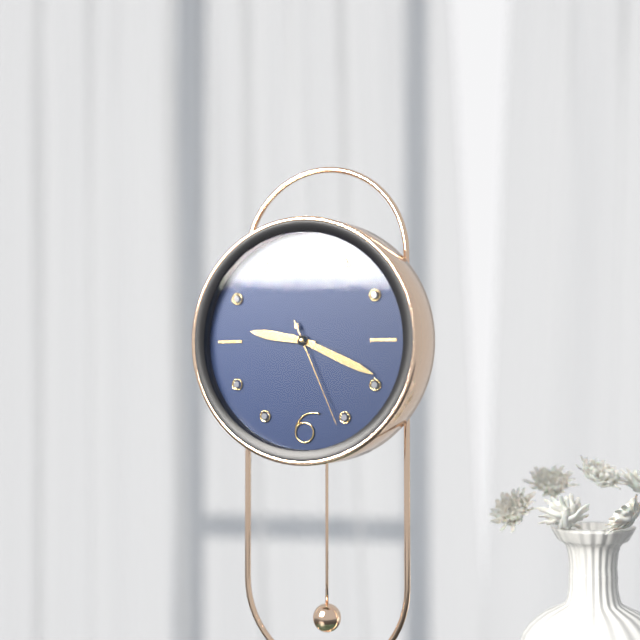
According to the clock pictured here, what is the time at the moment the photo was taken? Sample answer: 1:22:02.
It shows 9:19:26
